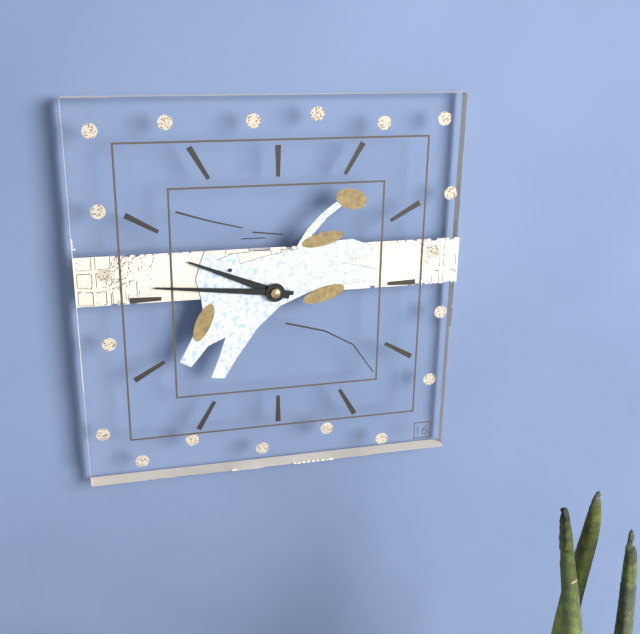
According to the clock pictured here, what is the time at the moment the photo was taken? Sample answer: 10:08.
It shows 9:46
